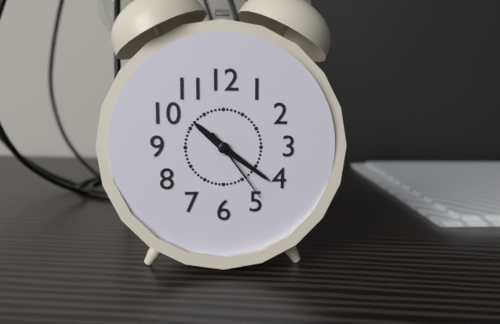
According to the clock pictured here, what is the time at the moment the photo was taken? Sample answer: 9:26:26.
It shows 10:21:24
